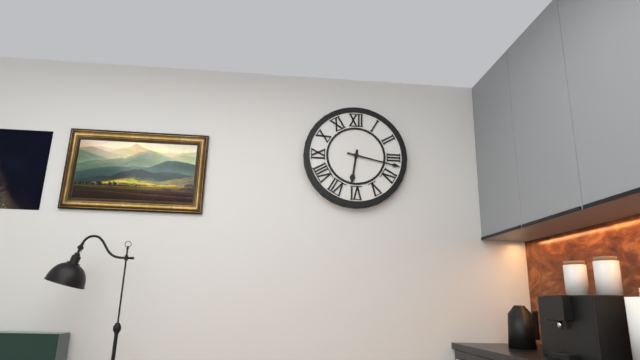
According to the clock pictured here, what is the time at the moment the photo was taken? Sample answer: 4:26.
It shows 6:17
